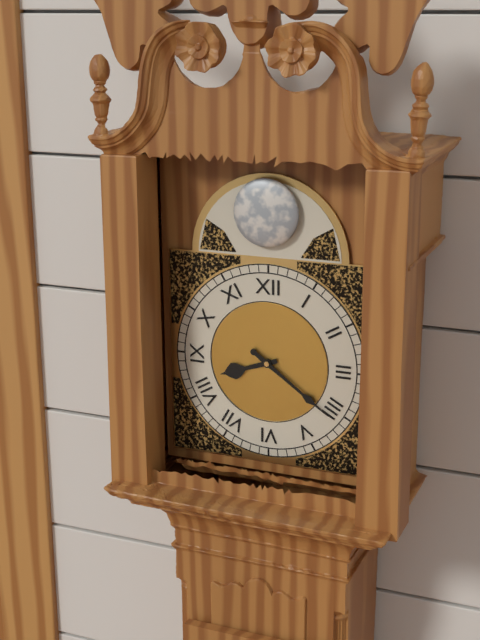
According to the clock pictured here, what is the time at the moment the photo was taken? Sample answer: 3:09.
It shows 8:21
